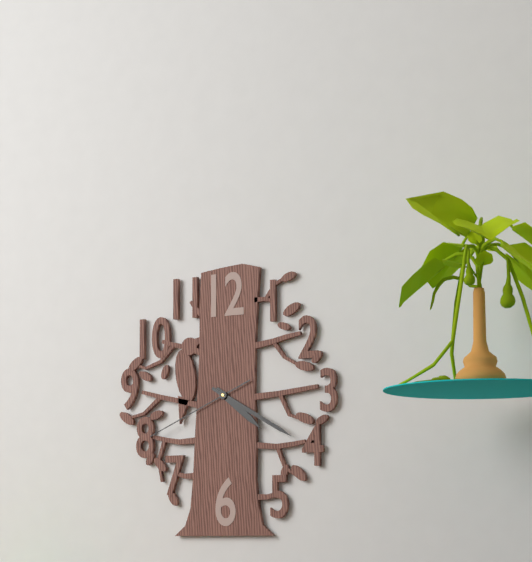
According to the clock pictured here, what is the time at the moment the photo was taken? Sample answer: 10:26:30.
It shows 4:20:41
